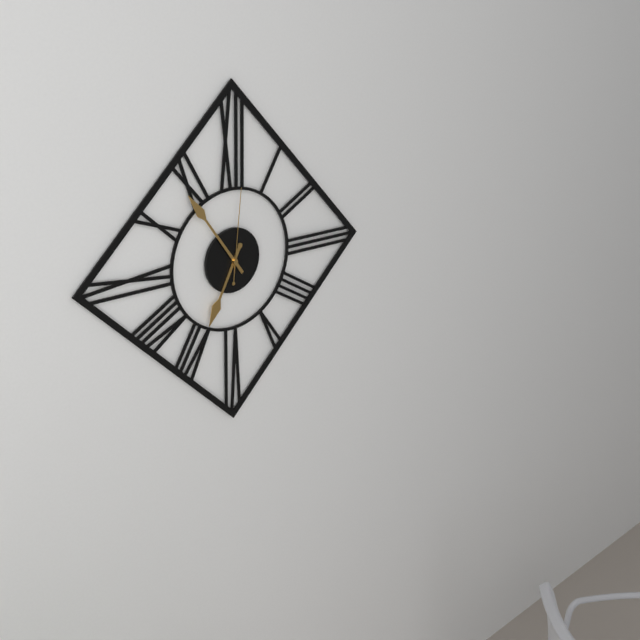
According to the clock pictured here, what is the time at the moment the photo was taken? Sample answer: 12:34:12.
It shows 6:54:01
